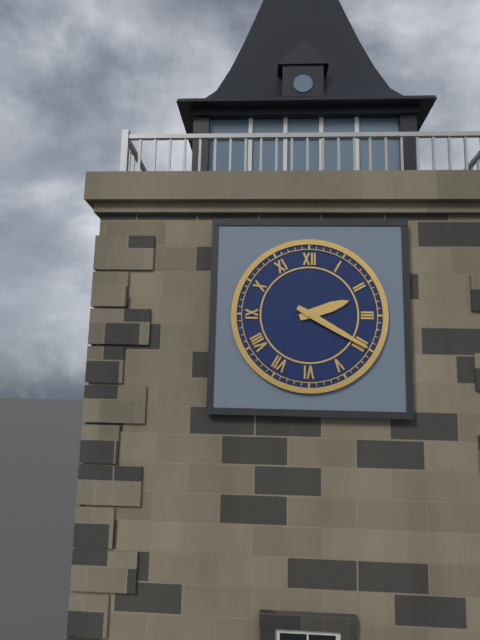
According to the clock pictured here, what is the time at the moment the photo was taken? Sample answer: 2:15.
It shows 2:20
